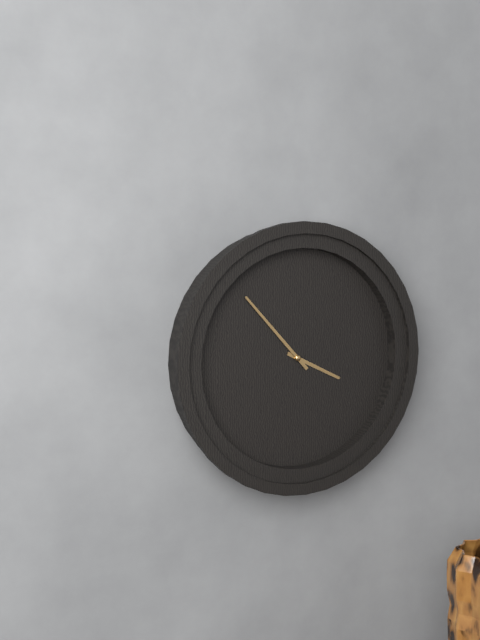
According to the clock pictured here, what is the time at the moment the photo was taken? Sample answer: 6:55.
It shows 3:53
